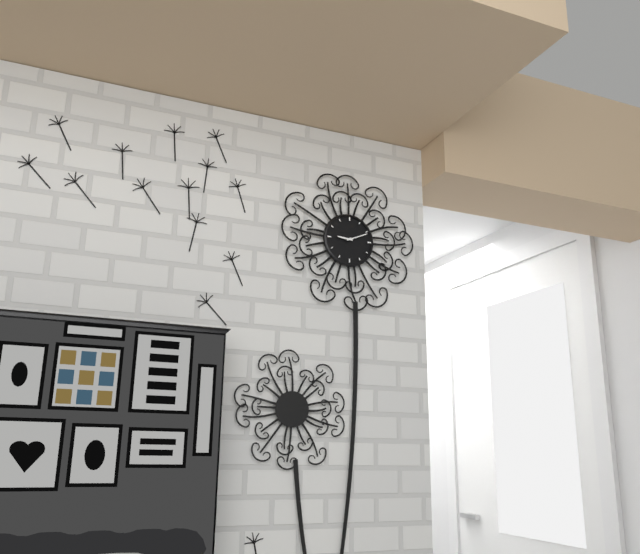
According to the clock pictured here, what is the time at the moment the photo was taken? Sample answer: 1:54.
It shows 9:11
